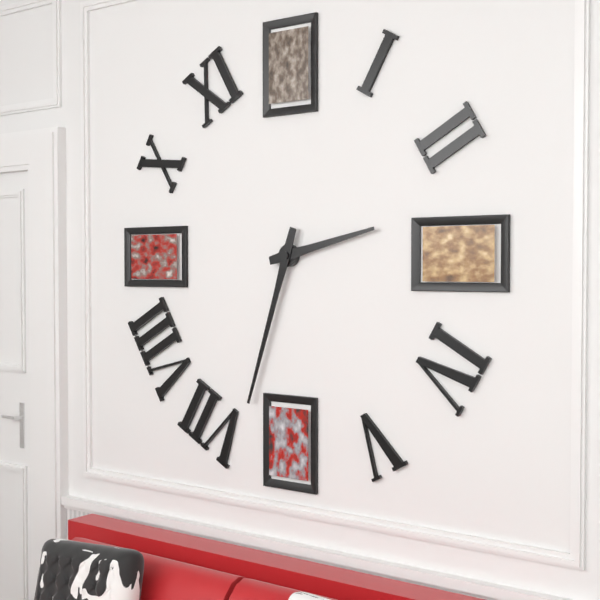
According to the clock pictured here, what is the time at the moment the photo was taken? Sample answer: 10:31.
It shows 2:33
